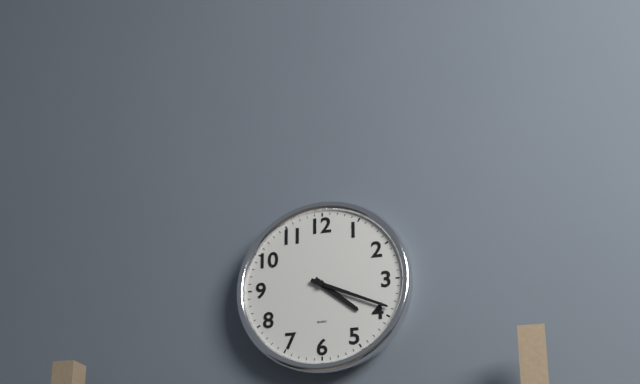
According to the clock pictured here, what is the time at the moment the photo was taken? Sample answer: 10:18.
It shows 4:19
